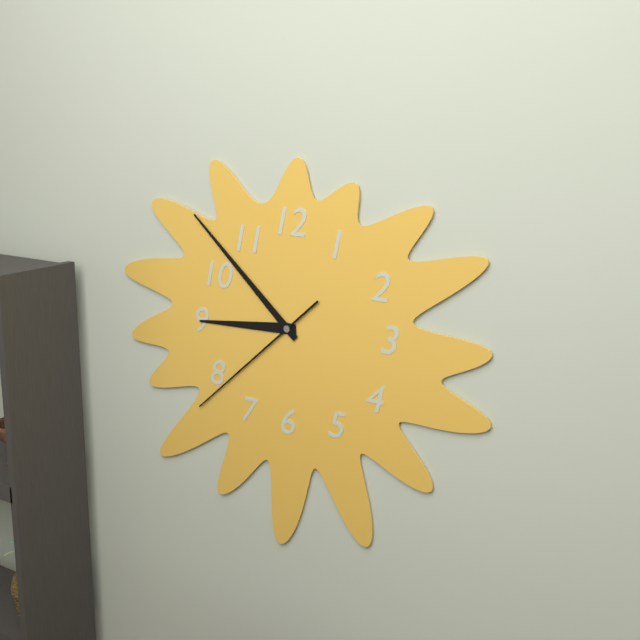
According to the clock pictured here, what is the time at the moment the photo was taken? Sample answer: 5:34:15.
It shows 8:52:38
